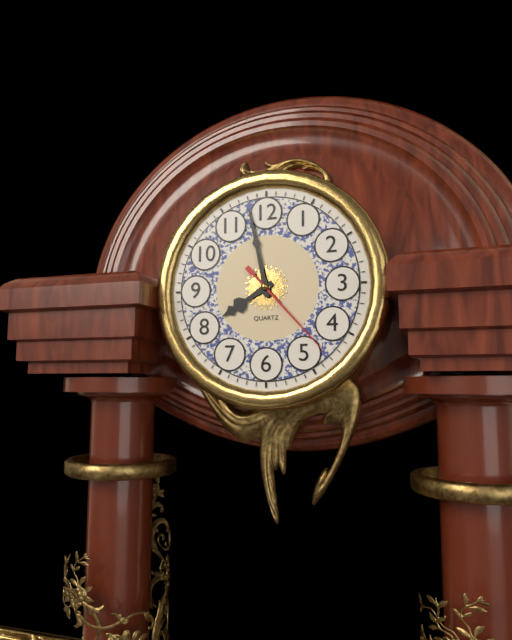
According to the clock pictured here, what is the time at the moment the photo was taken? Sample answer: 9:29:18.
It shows 7:58:23
